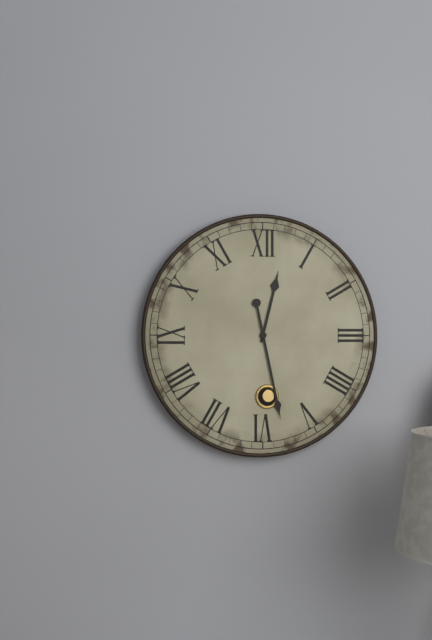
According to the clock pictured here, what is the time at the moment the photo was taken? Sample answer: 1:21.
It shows 12:28
